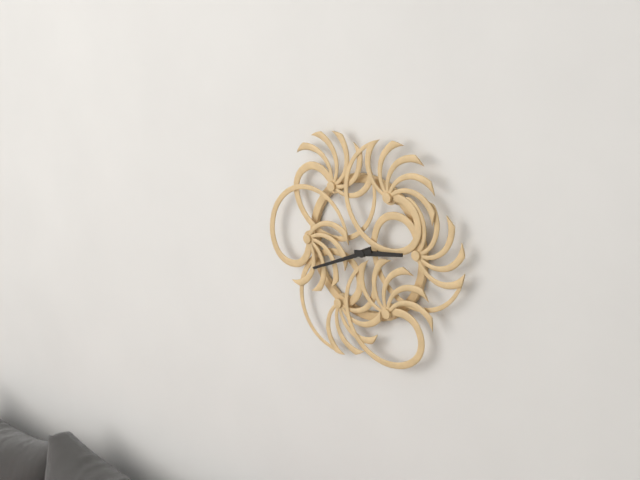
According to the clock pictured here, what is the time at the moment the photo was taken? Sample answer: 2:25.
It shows 2:41
